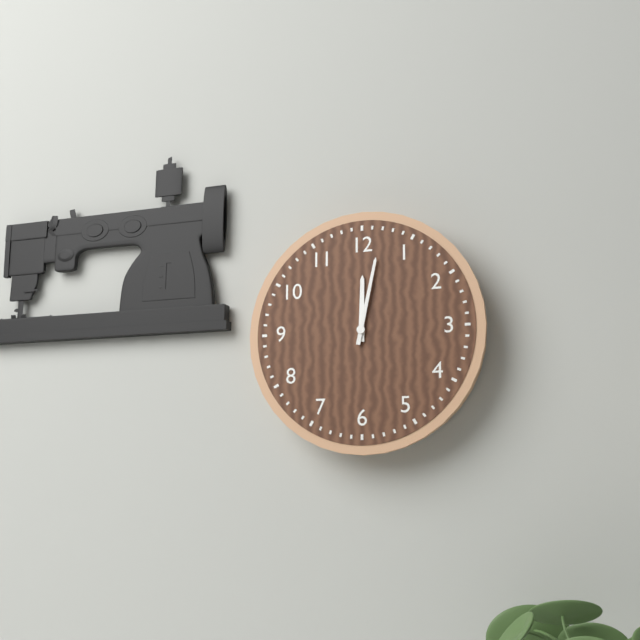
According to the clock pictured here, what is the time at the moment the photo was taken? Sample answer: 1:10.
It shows 12:02
